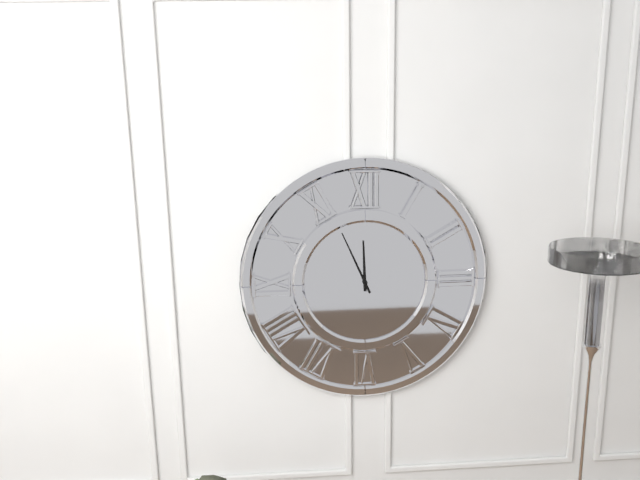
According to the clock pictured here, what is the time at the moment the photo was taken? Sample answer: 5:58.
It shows 11:56
